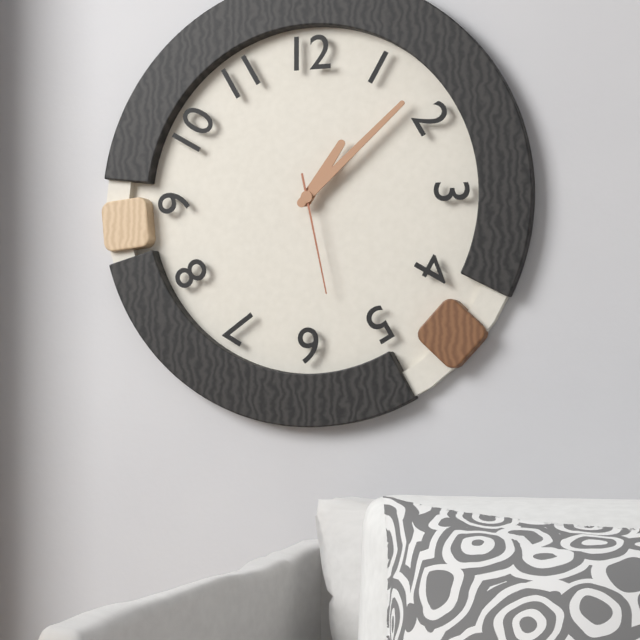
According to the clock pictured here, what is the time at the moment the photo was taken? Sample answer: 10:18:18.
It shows 1:08:28
